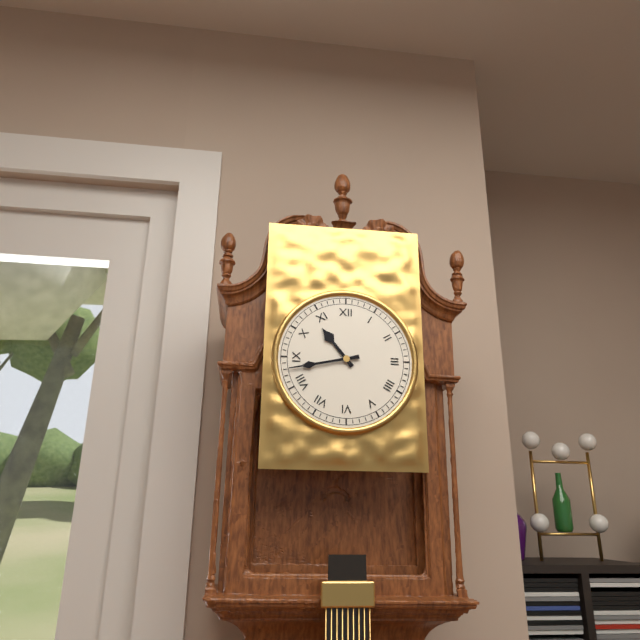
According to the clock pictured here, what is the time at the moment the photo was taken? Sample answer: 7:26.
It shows 10:43
